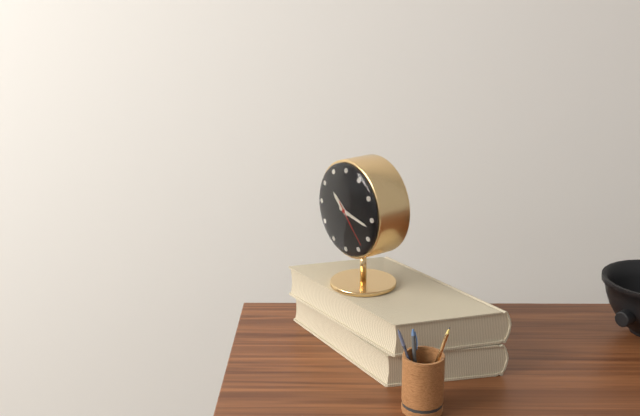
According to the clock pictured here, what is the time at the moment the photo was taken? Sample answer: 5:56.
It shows 10:17
